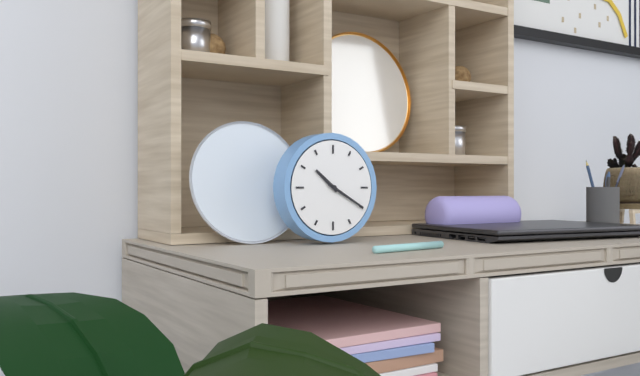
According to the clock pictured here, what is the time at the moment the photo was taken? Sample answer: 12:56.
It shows 10:20
